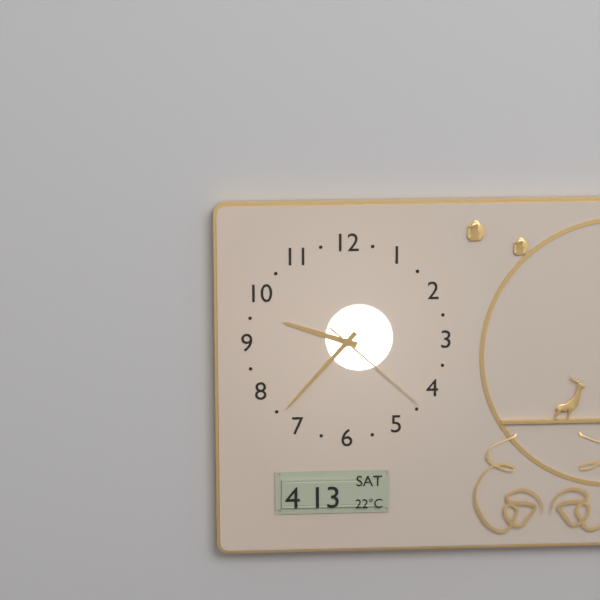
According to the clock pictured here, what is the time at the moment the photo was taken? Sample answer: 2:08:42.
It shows 9:37:22
